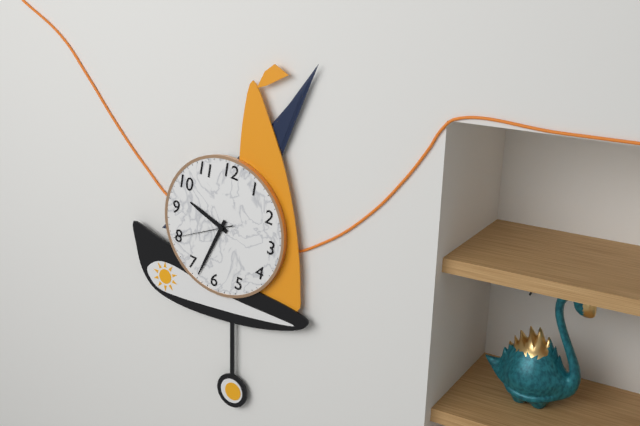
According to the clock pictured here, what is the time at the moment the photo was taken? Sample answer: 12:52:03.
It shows 9:33:40
